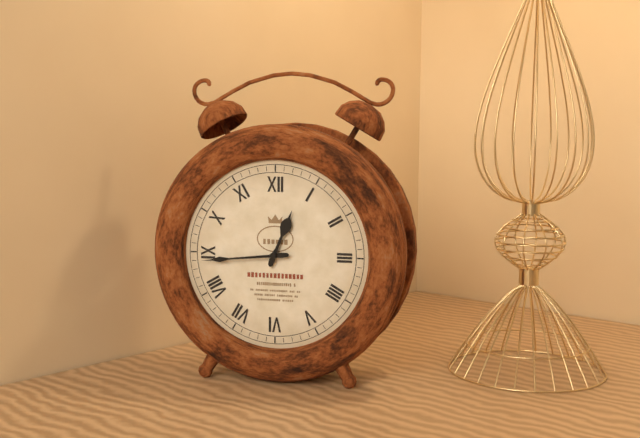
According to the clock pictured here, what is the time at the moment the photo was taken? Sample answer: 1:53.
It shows 12:44
